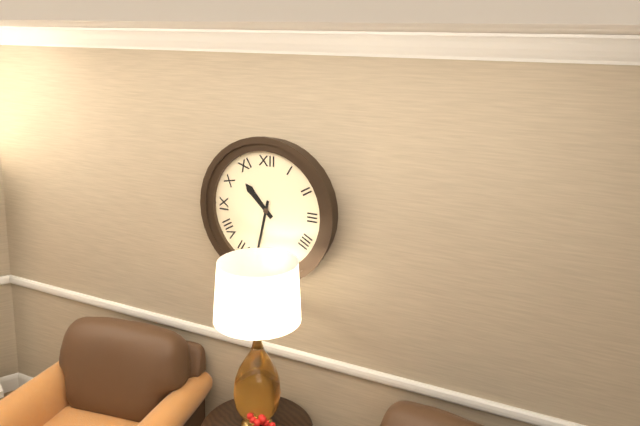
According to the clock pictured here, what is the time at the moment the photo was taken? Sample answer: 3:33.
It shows 10:32
